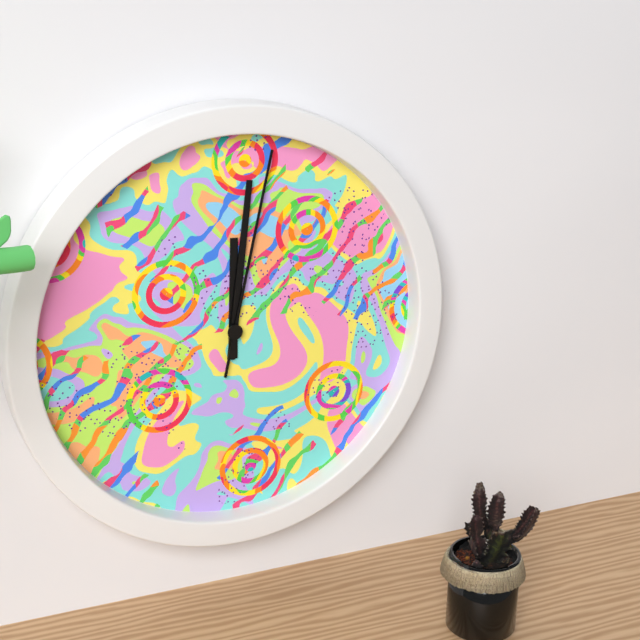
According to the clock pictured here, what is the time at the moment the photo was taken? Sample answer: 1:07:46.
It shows 12:01:02
